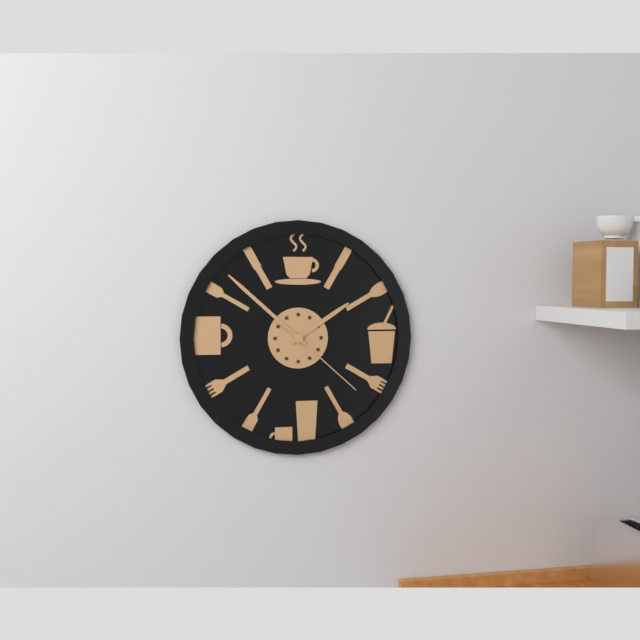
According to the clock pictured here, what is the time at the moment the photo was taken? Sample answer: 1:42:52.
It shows 1:52:22
